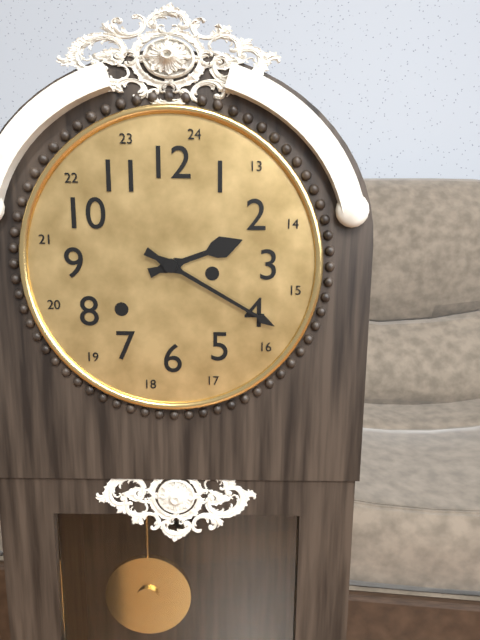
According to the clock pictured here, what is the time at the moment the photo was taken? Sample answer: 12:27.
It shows 2:20
